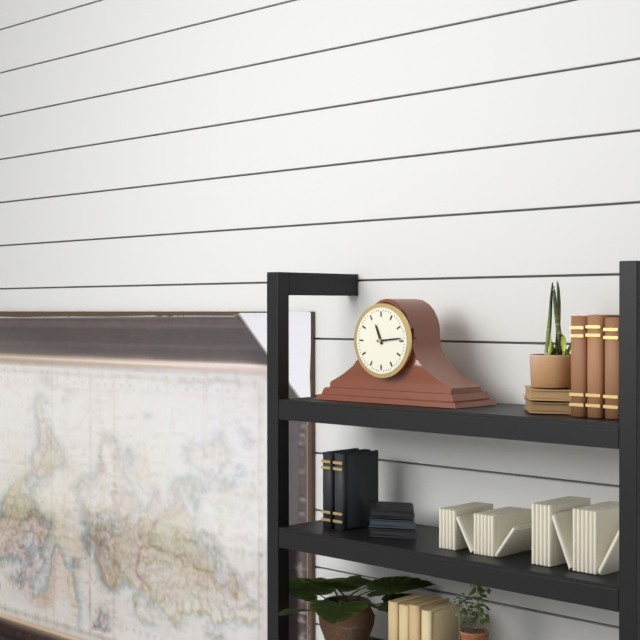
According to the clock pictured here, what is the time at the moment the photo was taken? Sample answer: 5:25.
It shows 11:14
